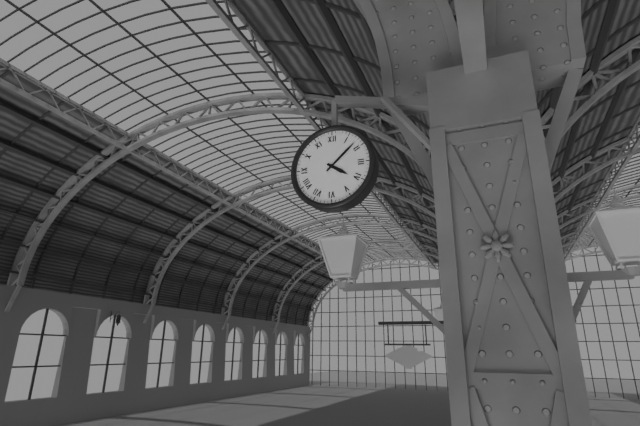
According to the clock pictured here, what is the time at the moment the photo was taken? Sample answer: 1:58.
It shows 4:08
